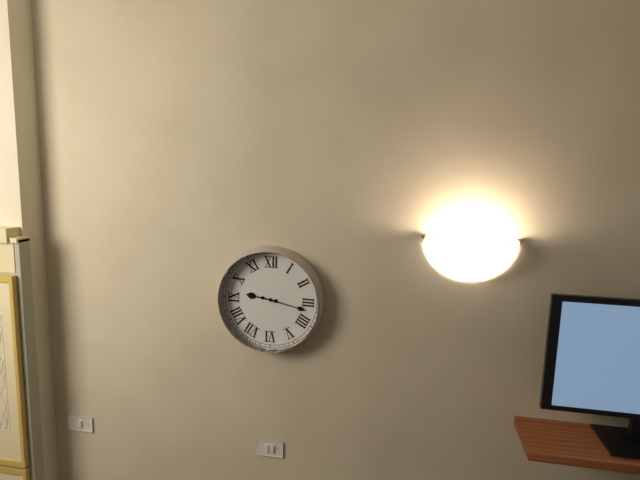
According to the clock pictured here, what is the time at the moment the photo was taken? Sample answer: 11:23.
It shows 9:17
